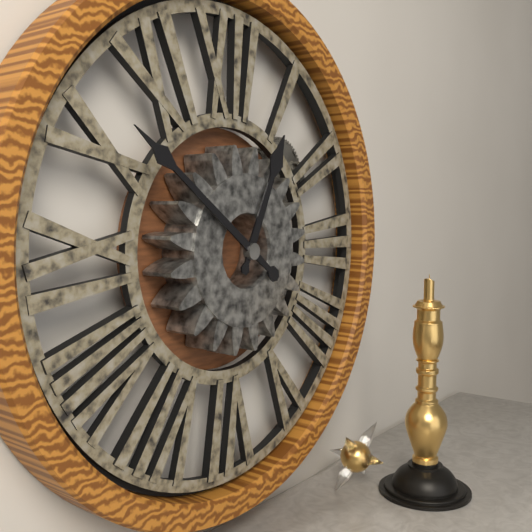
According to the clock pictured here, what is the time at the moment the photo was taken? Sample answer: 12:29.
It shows 12:51
